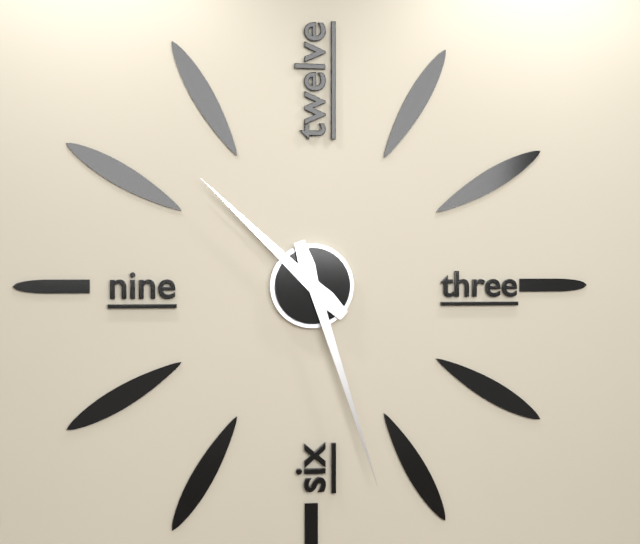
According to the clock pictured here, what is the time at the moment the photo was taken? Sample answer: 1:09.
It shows 10:27
